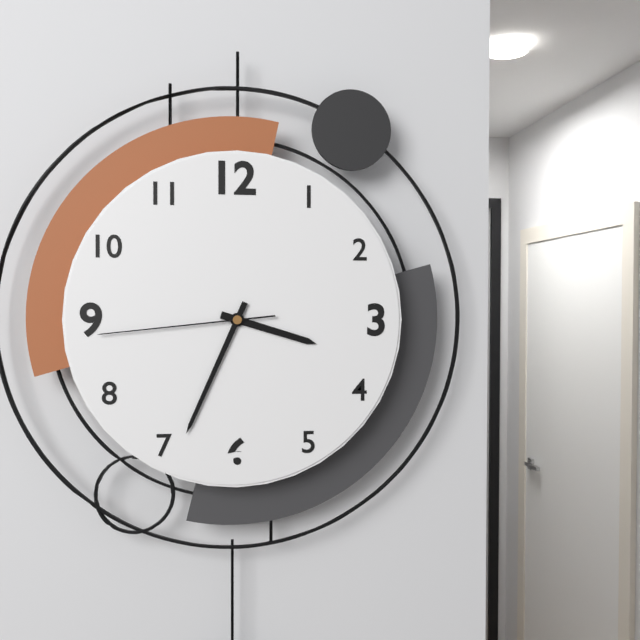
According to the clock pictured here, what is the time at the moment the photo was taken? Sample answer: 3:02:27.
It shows 3:34:44
